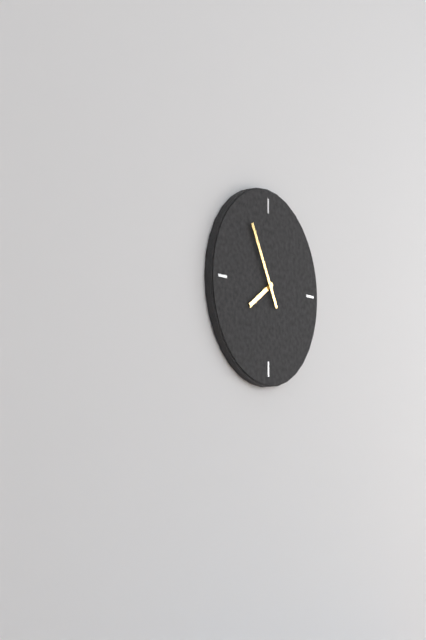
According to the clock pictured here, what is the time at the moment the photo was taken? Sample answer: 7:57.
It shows 7:55
